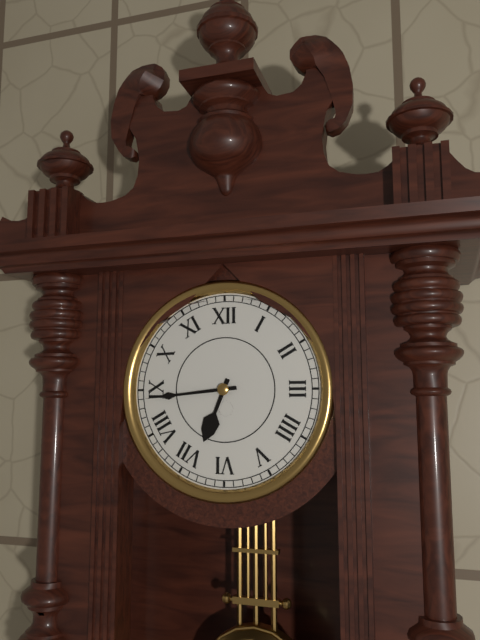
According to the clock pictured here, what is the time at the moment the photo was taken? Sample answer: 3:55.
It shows 6:44
